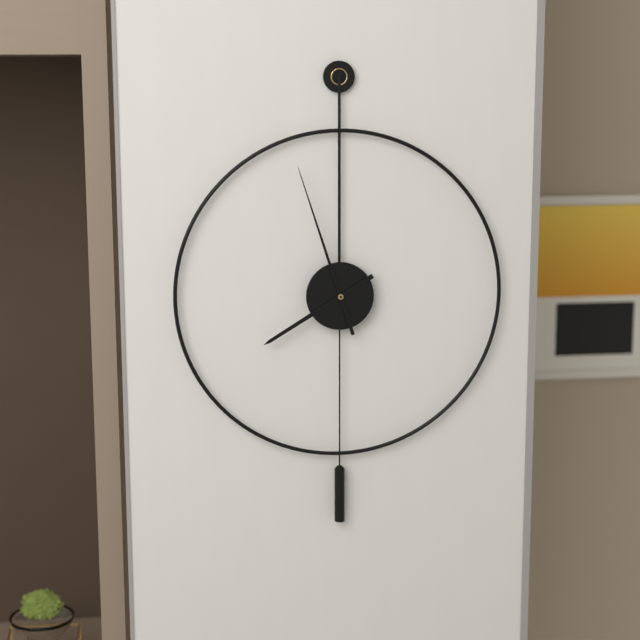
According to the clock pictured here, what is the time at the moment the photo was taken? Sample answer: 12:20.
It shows 7:57
